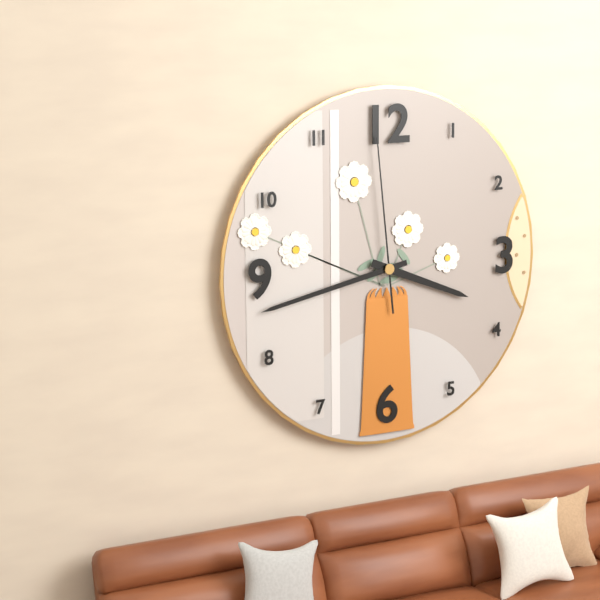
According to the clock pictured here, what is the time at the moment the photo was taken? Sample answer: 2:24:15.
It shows 3:43:59
